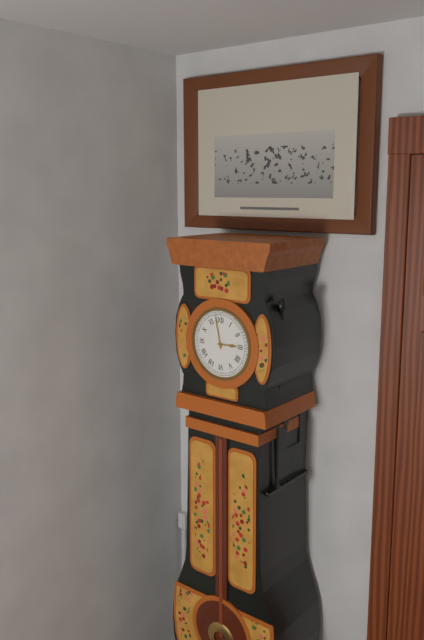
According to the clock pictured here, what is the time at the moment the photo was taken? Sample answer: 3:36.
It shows 2:58
